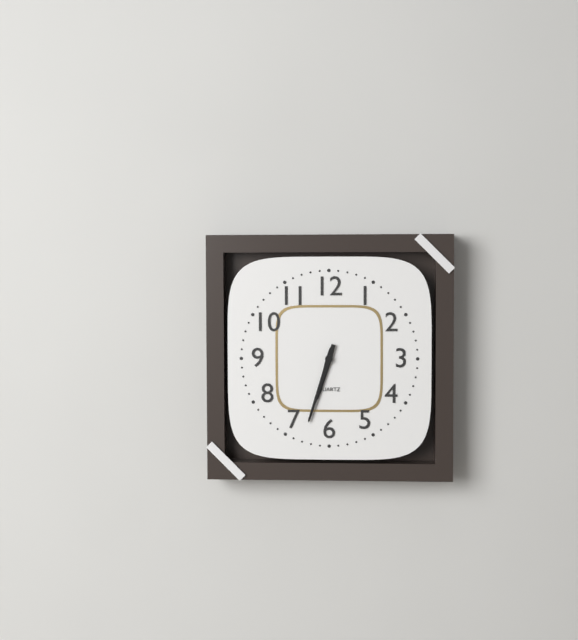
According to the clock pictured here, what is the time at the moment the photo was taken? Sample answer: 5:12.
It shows 6:33
